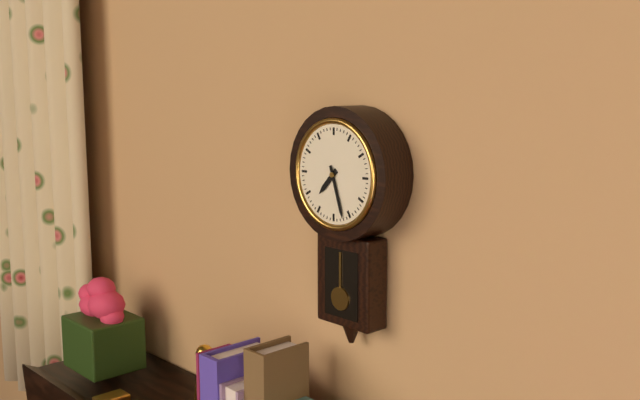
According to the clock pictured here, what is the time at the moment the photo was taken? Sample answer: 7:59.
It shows 7:27
